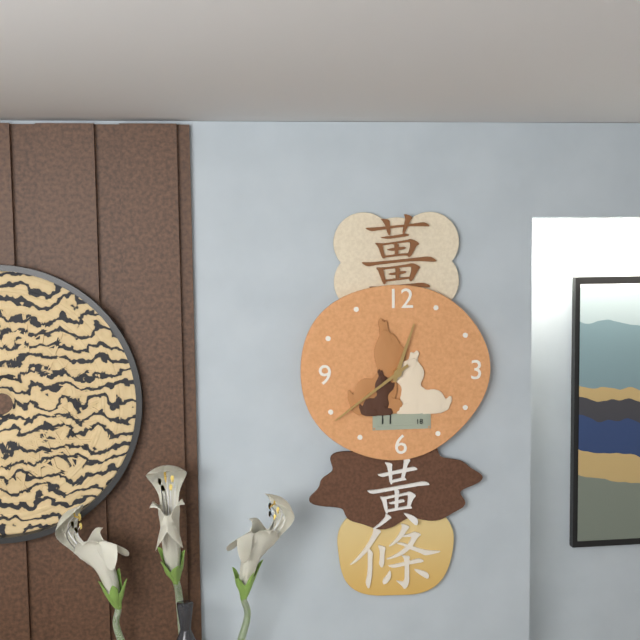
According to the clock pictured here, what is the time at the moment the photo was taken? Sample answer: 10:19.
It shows 12:39
